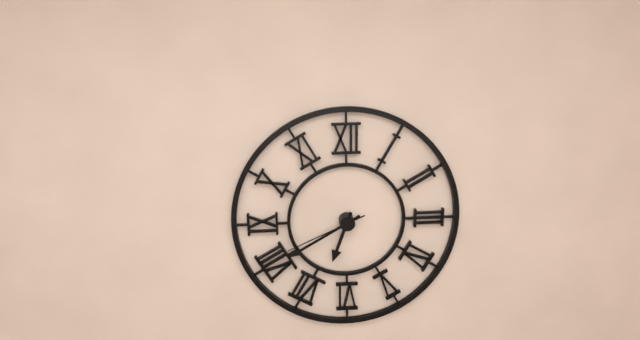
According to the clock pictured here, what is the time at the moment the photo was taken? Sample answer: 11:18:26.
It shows 6:40:41
